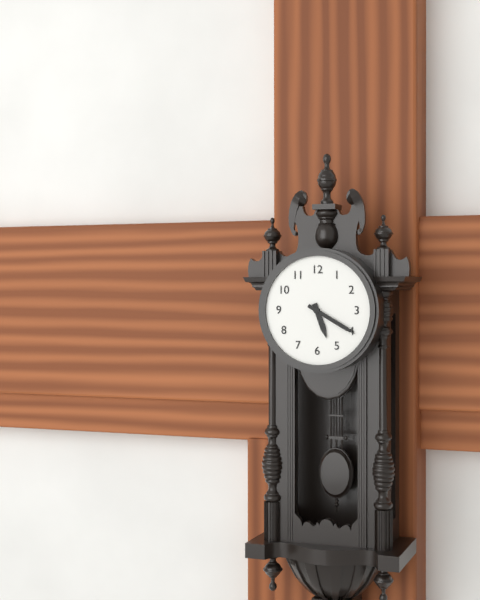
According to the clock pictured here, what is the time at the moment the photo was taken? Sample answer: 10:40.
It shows 5:20
